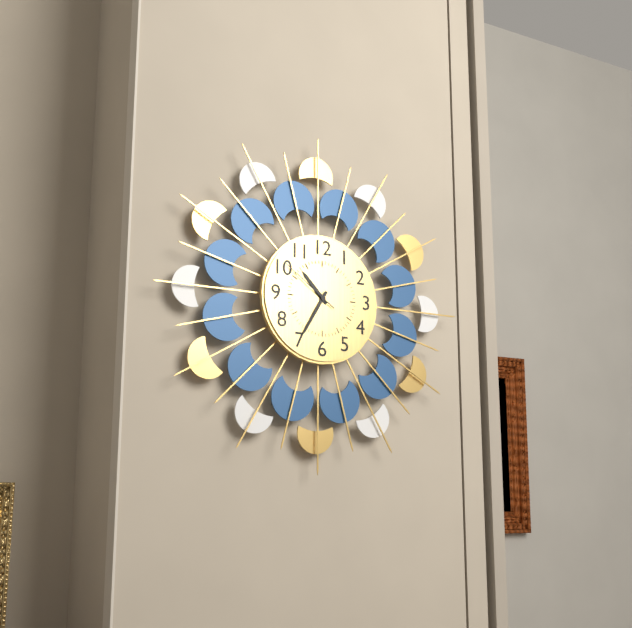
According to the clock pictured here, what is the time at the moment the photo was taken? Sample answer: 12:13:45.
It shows 10:35:51
